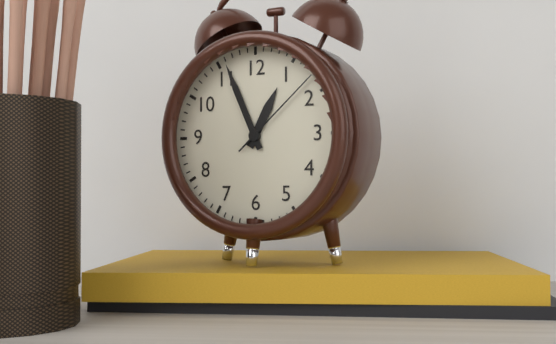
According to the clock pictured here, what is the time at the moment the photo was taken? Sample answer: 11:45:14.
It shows 12:56:08
